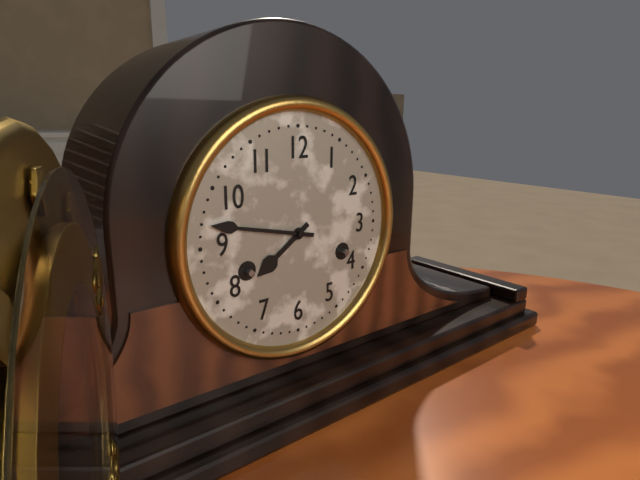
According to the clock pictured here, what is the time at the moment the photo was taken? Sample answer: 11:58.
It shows 7:47
